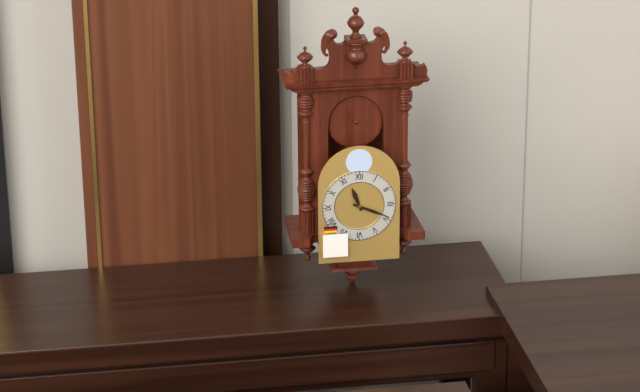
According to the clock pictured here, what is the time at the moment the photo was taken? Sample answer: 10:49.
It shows 11:19
